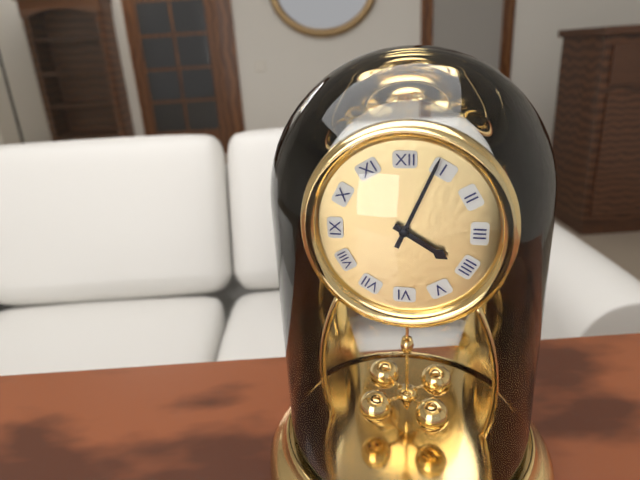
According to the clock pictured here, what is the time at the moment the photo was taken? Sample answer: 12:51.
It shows 4:04
